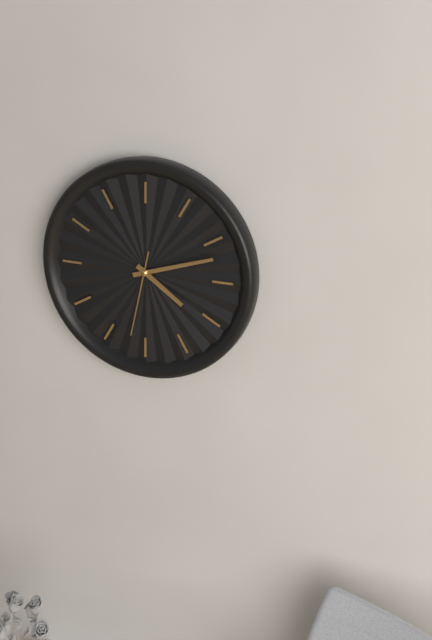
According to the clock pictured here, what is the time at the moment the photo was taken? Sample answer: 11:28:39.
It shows 4:12:32
